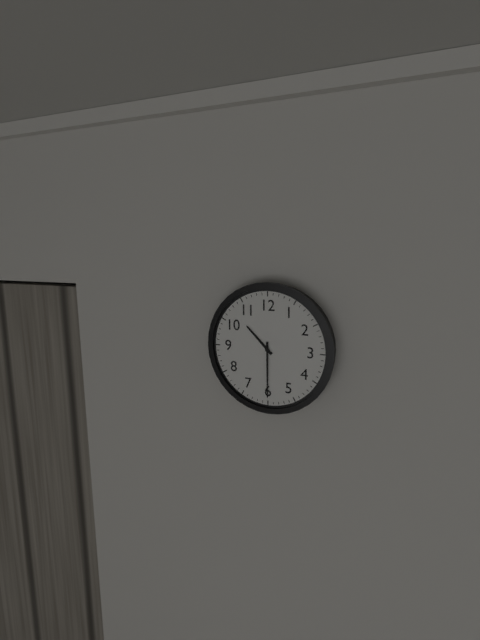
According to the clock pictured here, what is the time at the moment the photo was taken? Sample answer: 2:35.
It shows 10:30
